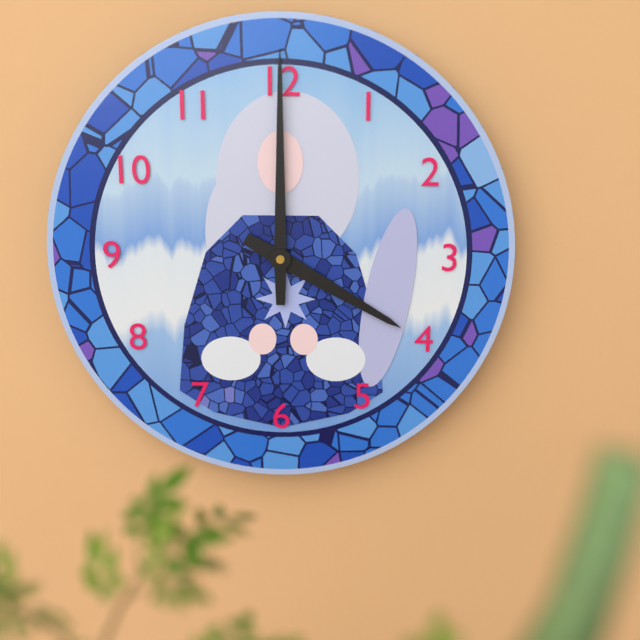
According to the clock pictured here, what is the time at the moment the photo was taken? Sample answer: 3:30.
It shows 4:00
